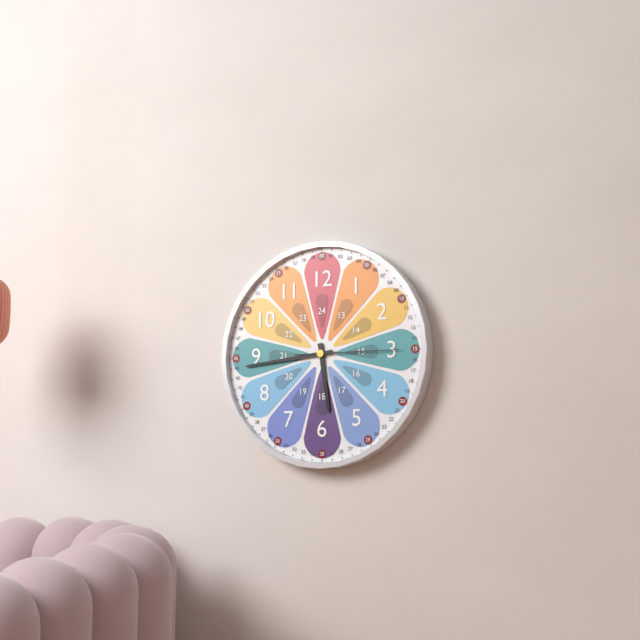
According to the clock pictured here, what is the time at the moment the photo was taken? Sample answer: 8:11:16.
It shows 5:44:15
